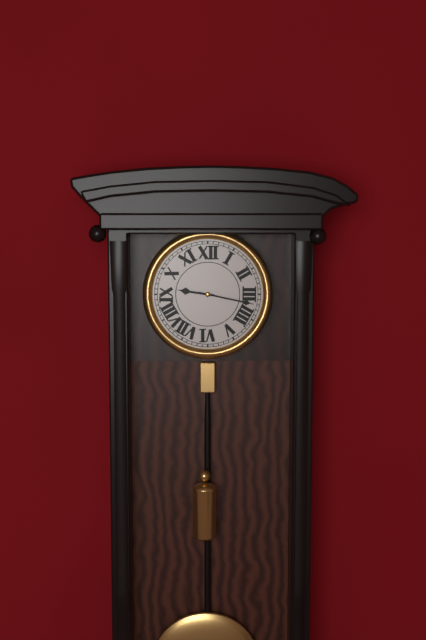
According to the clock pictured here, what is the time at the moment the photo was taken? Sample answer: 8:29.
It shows 9:17
